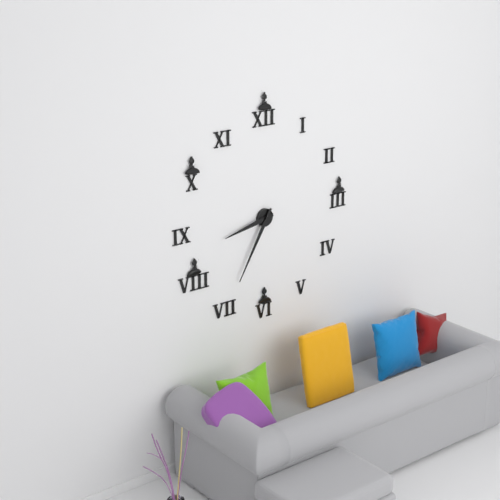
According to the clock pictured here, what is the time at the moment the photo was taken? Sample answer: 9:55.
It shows 8:35
